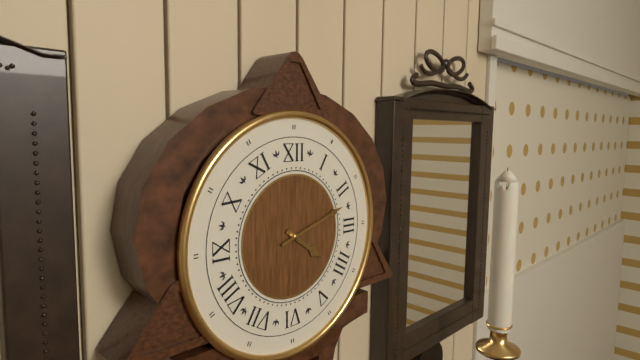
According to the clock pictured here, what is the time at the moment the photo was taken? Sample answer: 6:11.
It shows 4:12
